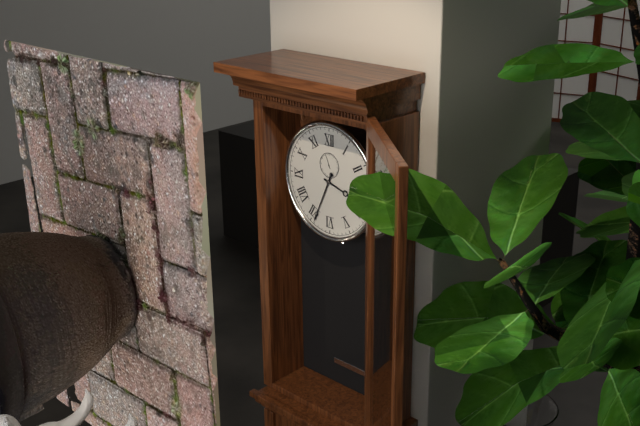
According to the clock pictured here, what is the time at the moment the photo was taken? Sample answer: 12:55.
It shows 3:34
